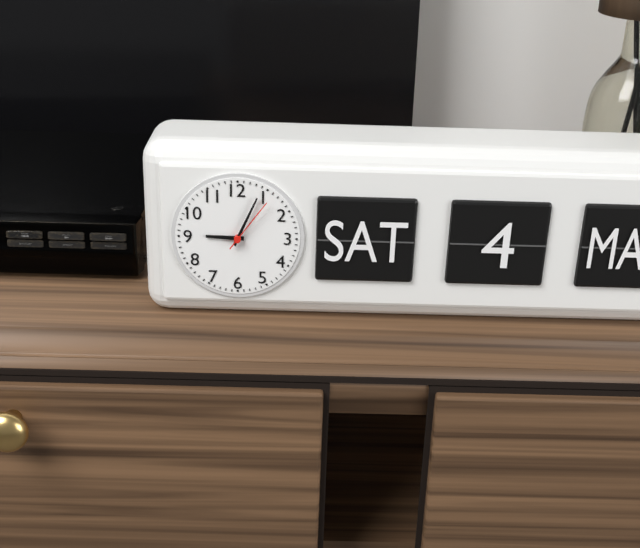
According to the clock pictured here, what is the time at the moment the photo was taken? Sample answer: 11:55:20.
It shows 9:04:06
